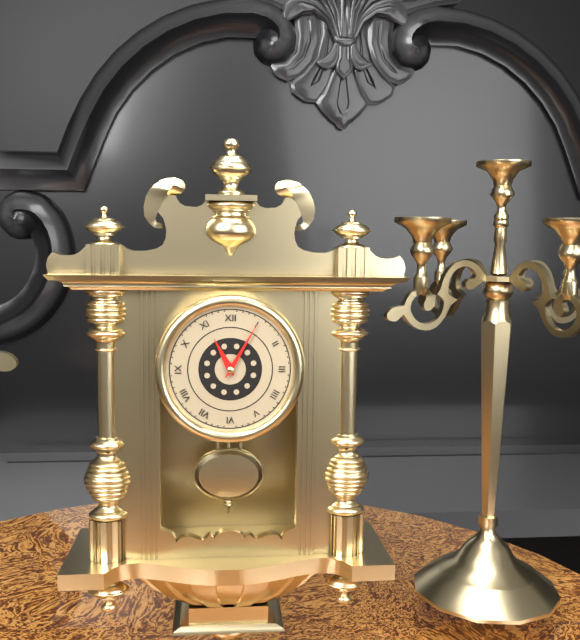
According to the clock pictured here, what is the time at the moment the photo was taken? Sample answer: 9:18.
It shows 11:05
